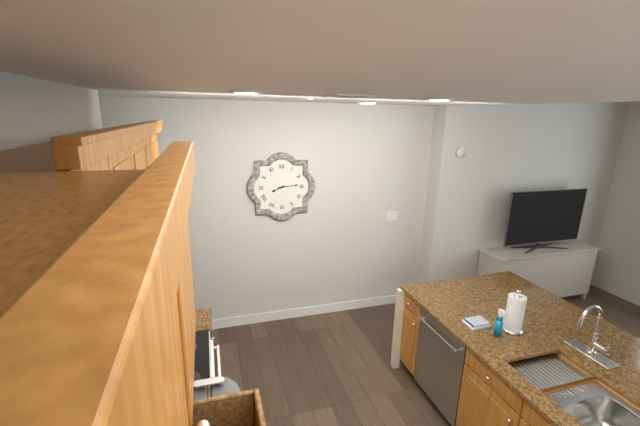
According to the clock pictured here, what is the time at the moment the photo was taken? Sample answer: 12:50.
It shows 8:14
